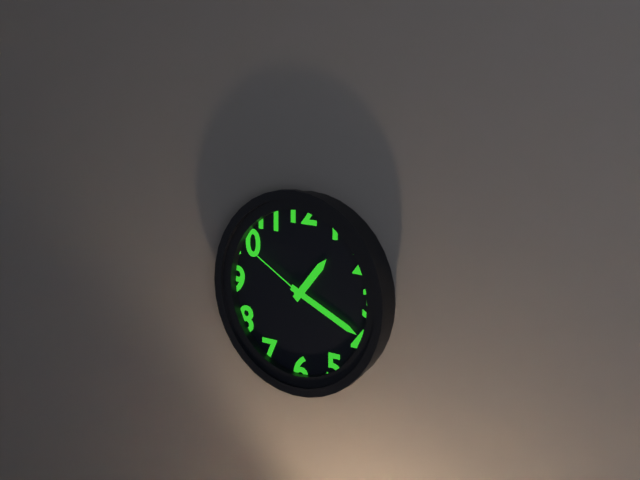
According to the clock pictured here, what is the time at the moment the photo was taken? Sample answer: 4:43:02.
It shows 1:19:50
